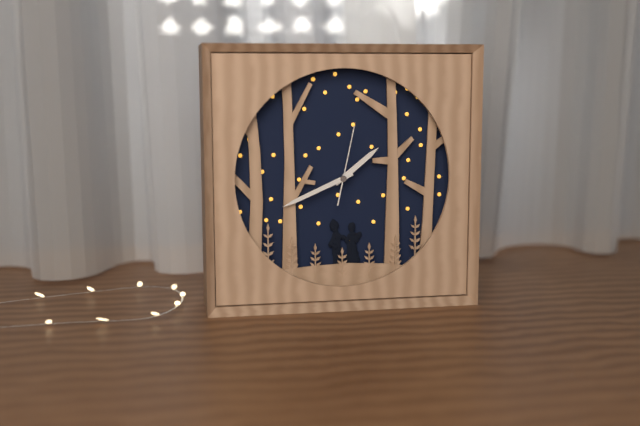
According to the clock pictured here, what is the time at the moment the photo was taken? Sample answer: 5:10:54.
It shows 1:41:02
